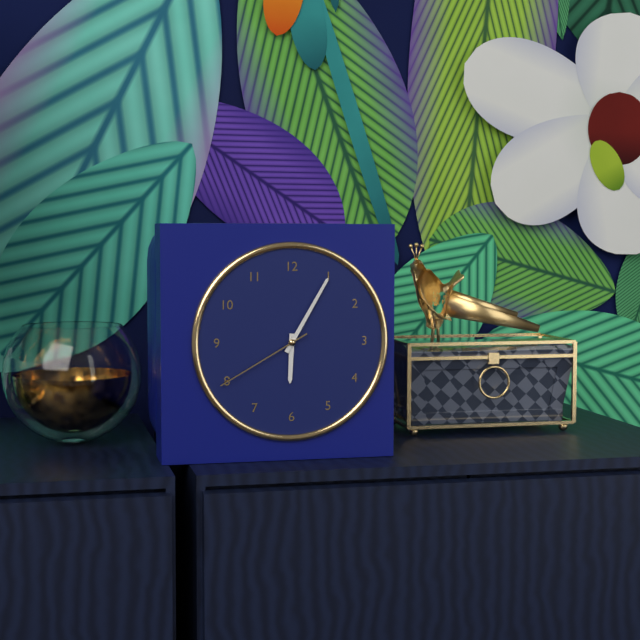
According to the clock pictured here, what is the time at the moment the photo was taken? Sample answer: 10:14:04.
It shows 6:05:40
